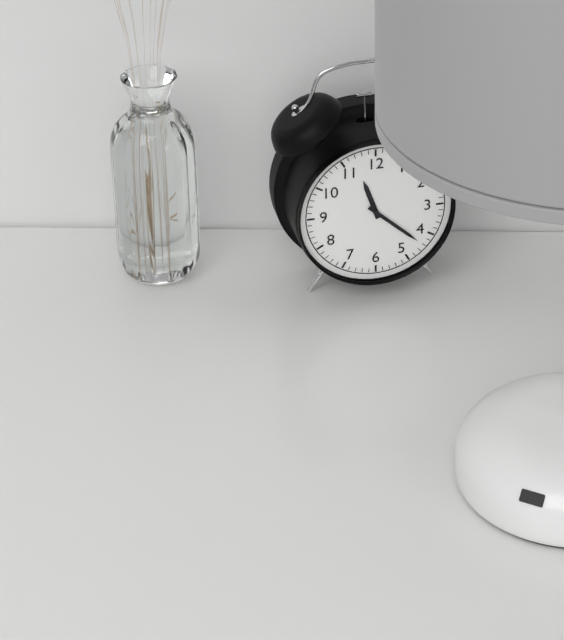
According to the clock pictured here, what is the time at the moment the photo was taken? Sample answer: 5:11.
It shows 11:22
